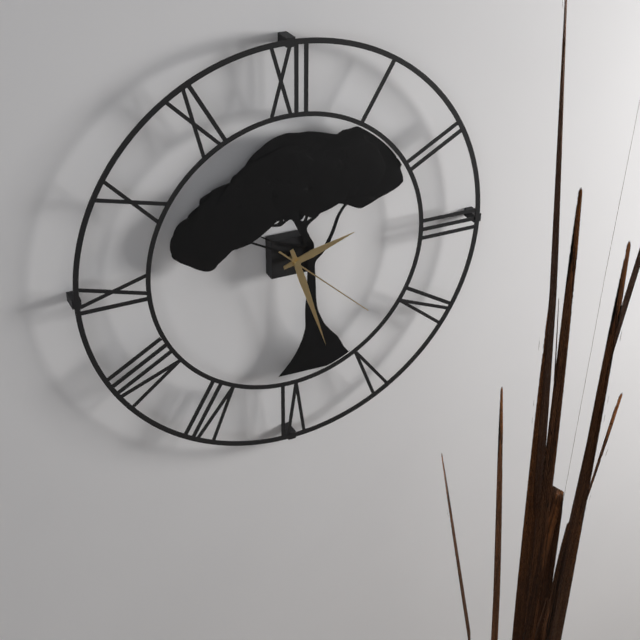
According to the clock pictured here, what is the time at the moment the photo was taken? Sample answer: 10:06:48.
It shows 2:27:22
